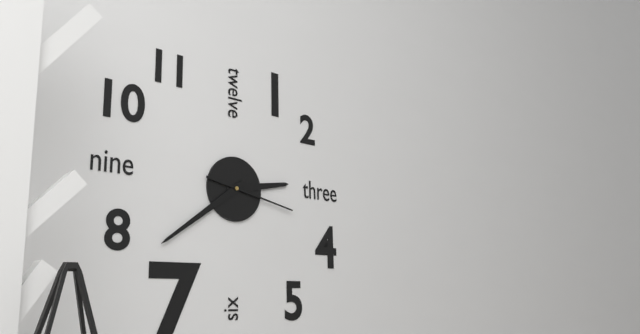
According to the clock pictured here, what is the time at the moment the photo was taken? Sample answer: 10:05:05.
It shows 2:39:17
